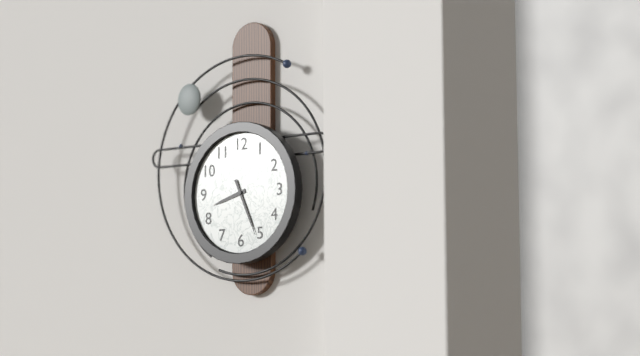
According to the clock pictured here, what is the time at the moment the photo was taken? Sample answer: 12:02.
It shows 8:26
